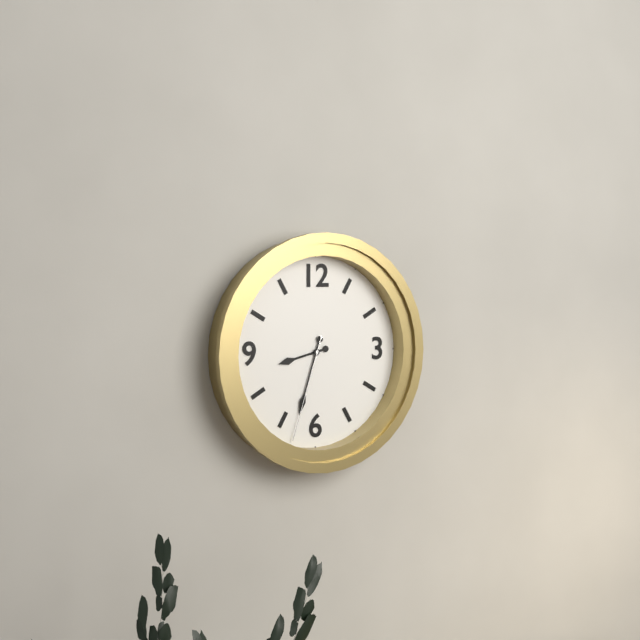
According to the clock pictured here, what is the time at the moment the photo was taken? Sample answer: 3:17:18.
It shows 8:33:33
